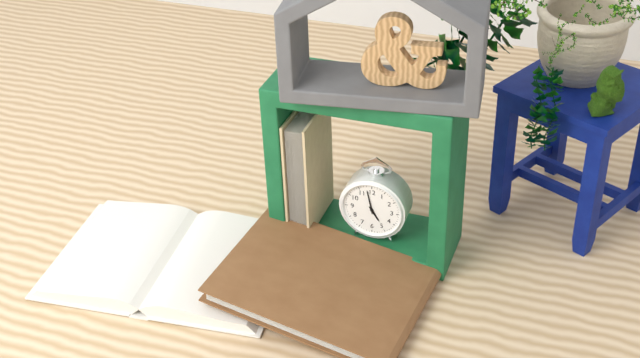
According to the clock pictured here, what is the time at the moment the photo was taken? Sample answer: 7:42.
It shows 4:58
